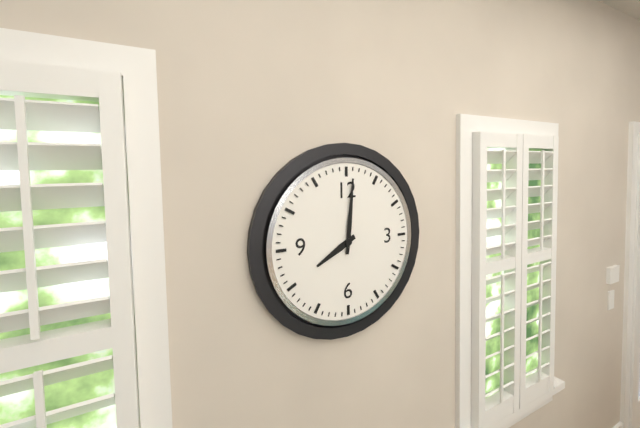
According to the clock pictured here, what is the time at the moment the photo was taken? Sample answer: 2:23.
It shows 8:01
